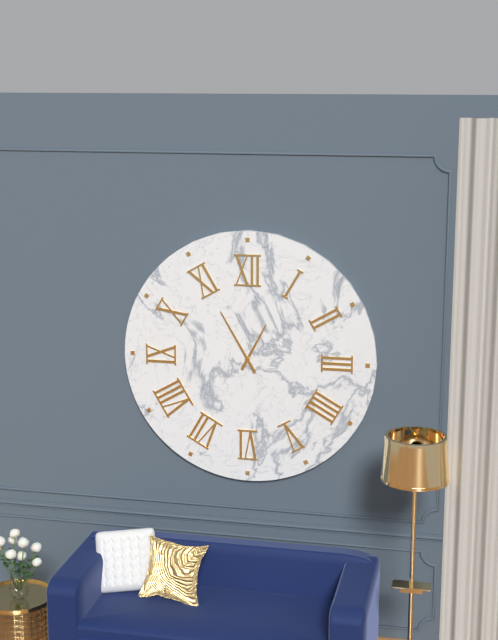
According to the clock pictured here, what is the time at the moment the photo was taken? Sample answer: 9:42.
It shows 12:55
